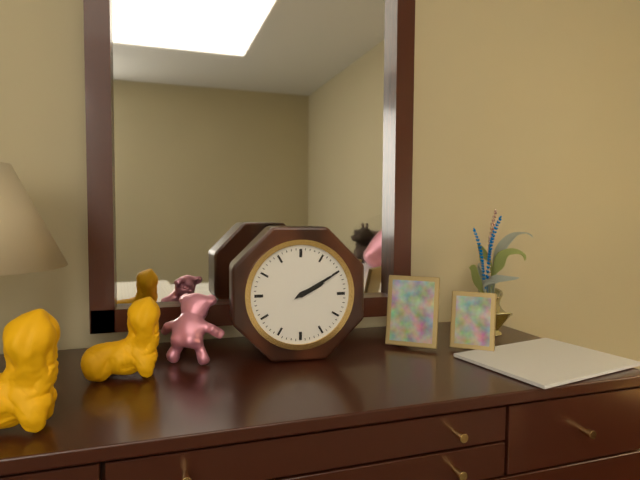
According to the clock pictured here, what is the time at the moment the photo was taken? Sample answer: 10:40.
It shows 2:10
